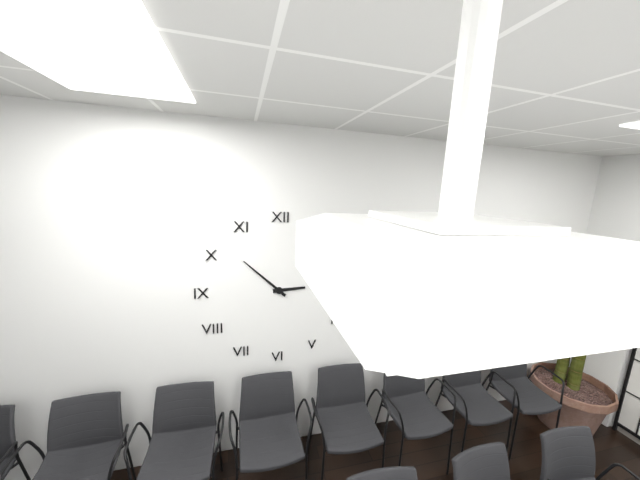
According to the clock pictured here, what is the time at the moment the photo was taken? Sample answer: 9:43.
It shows 2:52
